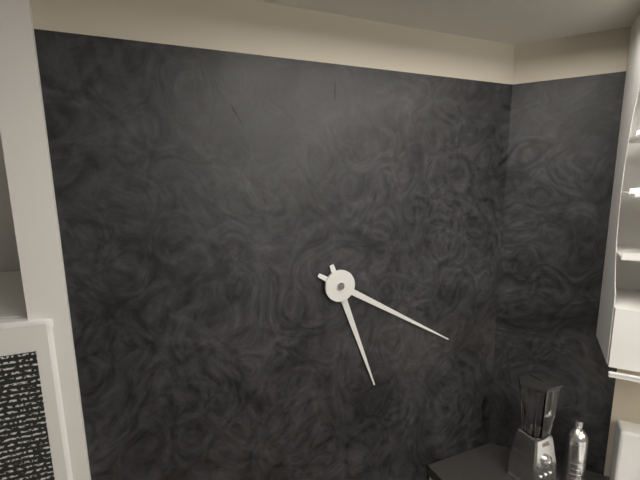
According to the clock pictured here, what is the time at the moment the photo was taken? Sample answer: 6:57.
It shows 5:20
